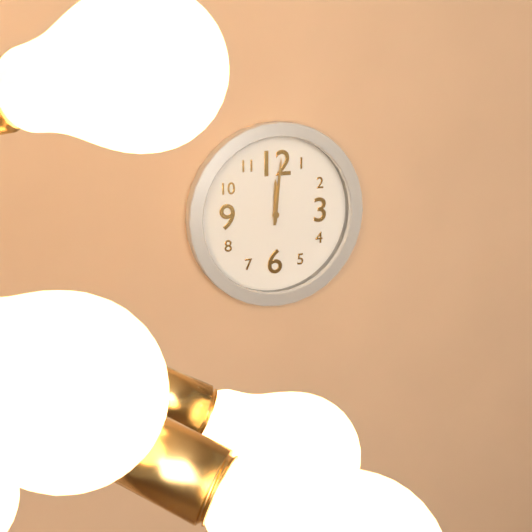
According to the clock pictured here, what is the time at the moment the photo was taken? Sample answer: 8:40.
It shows 12:01
